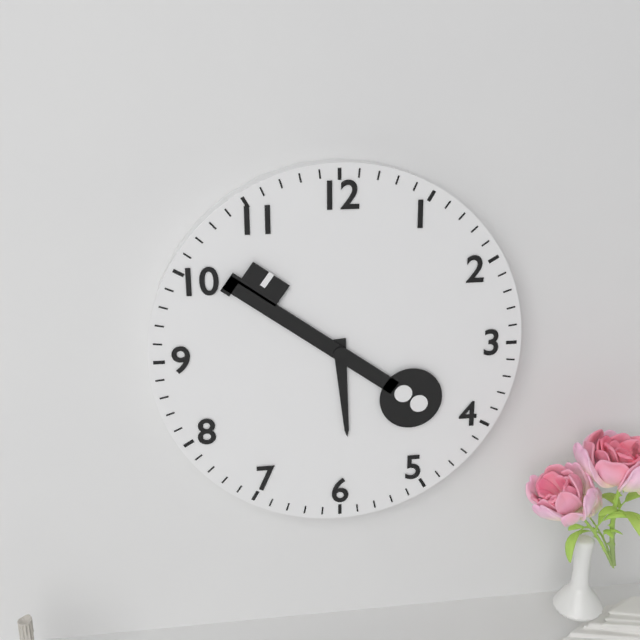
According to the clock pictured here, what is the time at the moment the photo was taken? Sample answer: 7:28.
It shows 5:51
